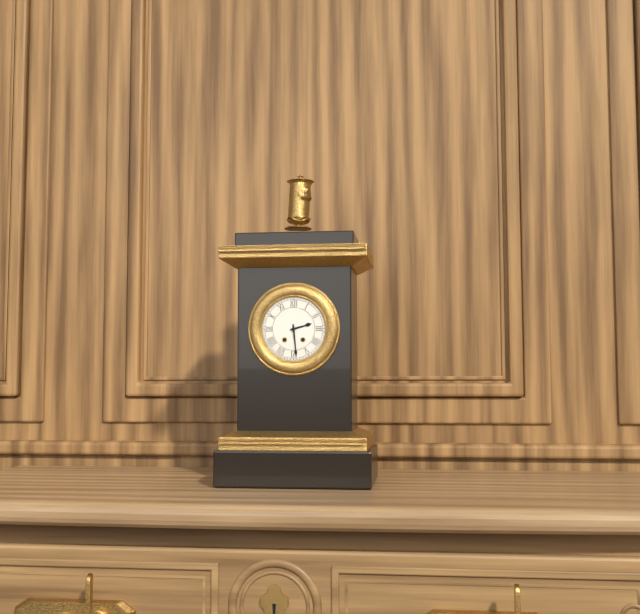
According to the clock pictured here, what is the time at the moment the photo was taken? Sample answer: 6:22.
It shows 2:29
